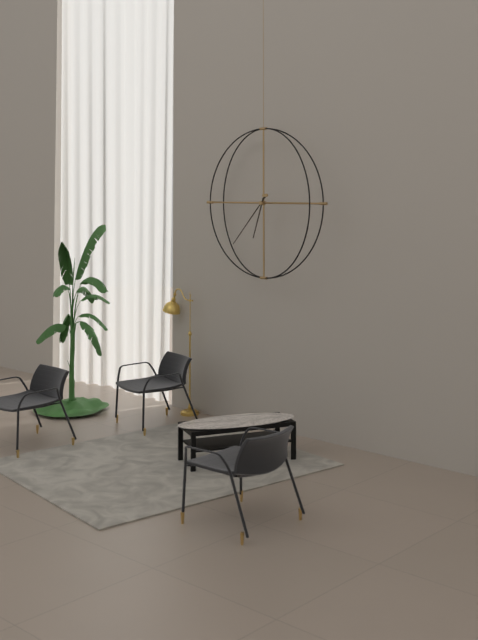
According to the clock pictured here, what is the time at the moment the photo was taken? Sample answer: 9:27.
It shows 6:37
